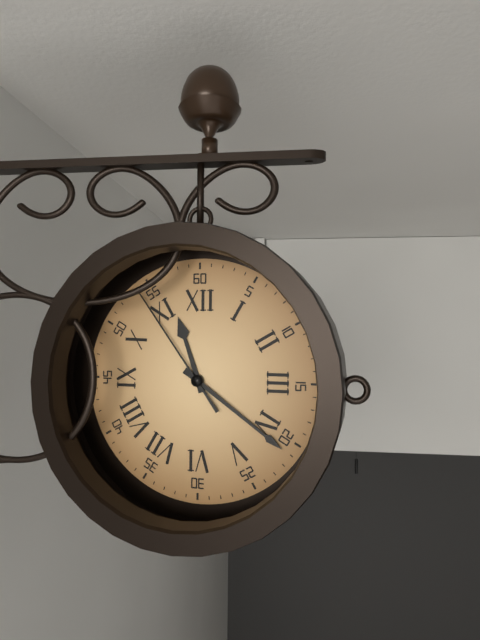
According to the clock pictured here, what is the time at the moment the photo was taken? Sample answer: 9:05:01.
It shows 11:21:54
